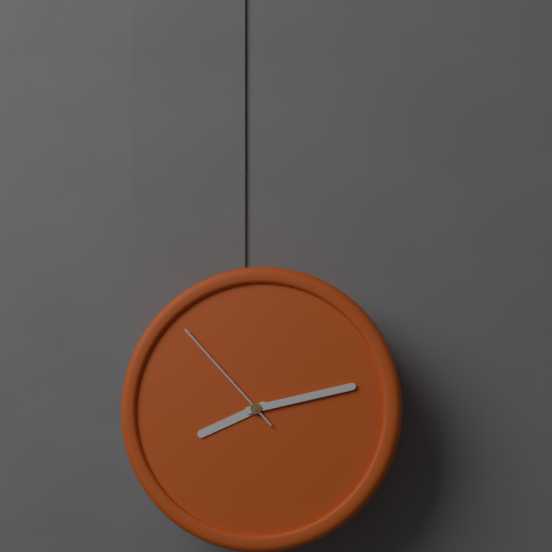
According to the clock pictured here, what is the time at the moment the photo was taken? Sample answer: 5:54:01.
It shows 8:13:53
